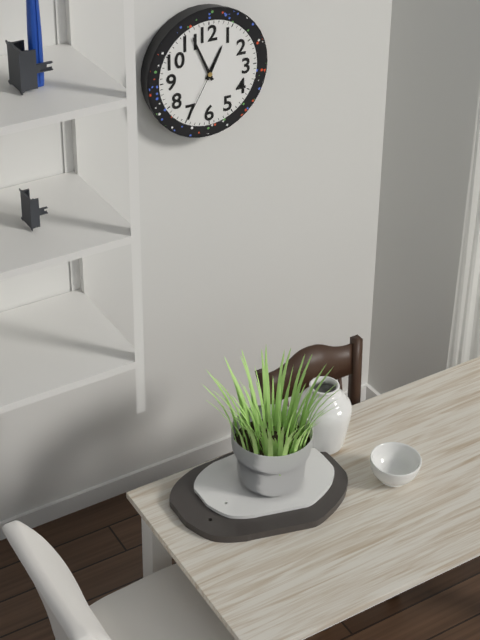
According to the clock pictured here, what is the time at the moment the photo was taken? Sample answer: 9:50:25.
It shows 12:56:35
